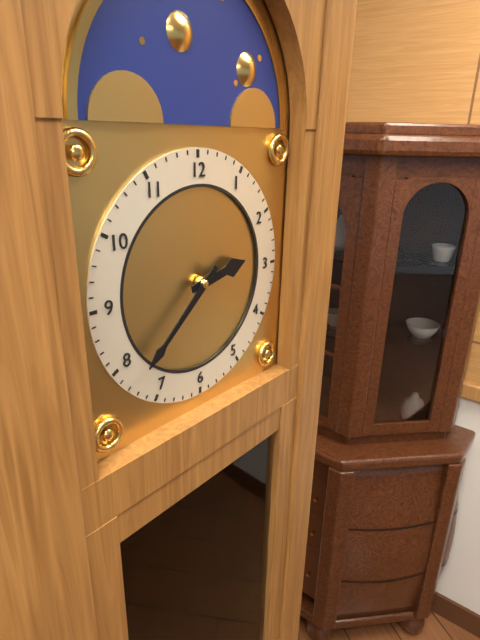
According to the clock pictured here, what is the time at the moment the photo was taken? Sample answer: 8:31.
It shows 2:38
